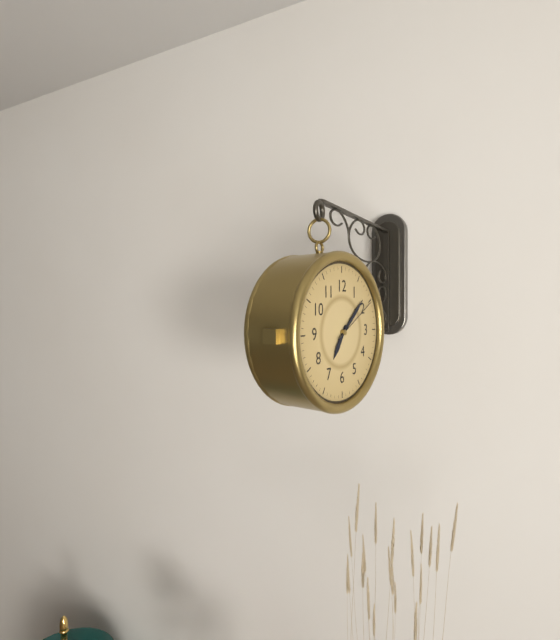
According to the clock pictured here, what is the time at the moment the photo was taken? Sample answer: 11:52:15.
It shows 7:08:10
